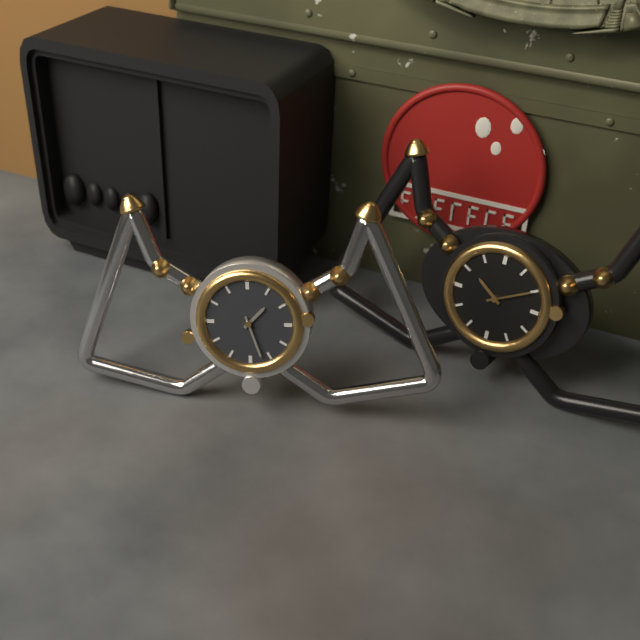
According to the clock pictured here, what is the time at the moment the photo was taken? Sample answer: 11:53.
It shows 1:27
